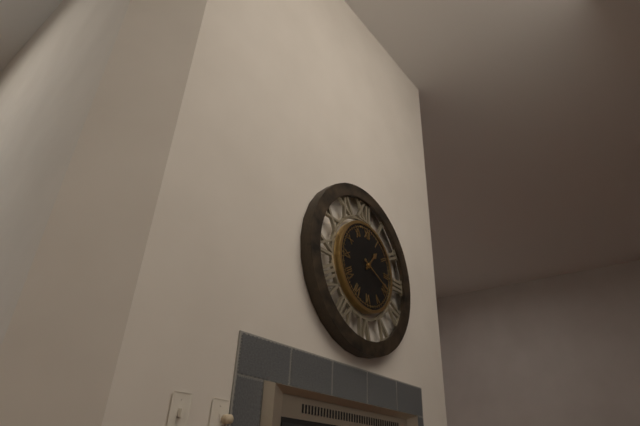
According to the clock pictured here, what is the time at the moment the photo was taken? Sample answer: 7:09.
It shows 1:19
